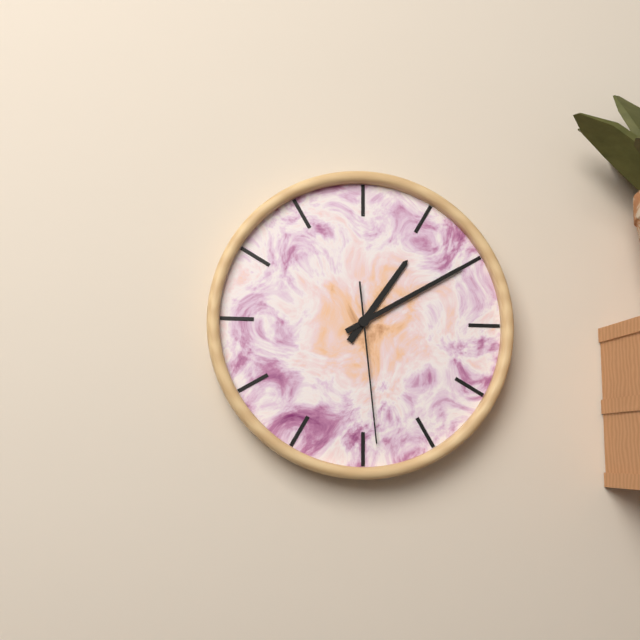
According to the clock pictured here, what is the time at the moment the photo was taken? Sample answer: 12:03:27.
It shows 1:10:29
